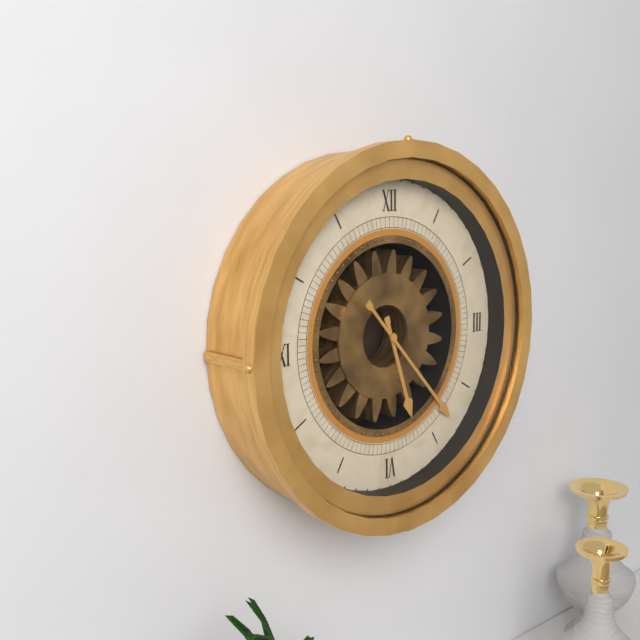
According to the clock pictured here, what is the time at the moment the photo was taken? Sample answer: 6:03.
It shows 5:23
